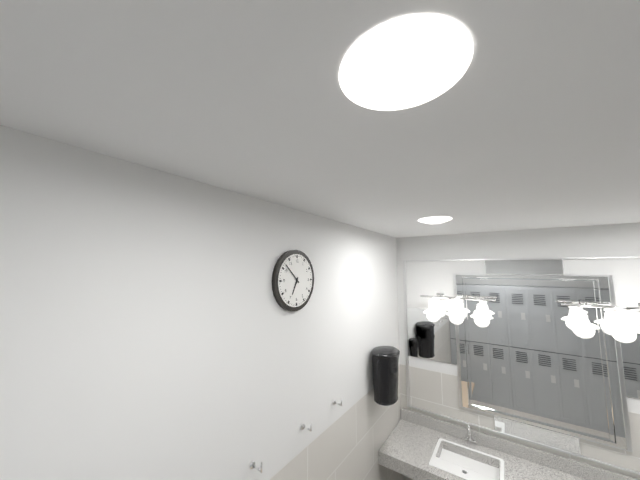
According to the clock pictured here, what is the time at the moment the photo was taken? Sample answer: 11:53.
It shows 6:52
